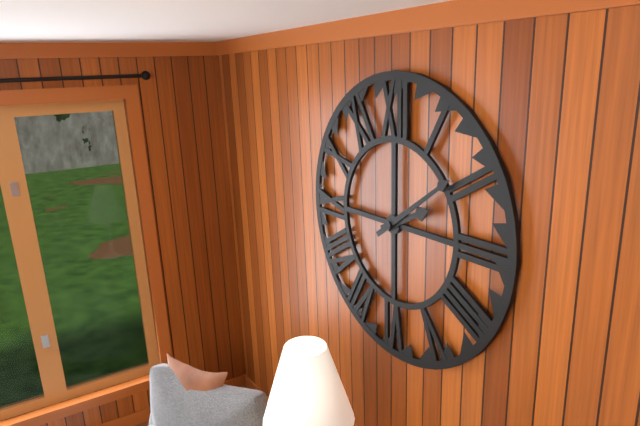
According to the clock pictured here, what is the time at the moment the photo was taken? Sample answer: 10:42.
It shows 2:09
